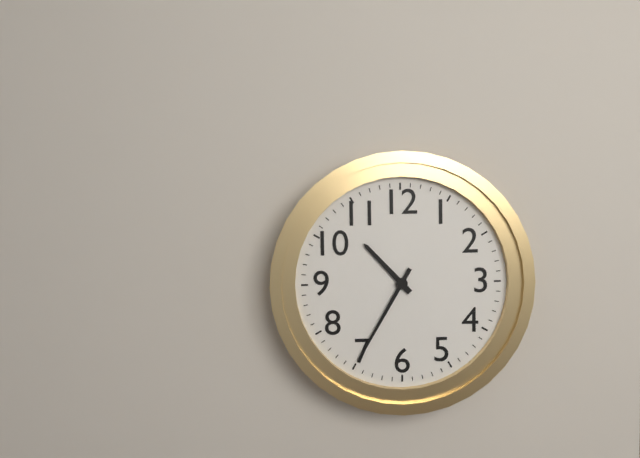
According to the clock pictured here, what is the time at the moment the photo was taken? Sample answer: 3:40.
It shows 10:35
